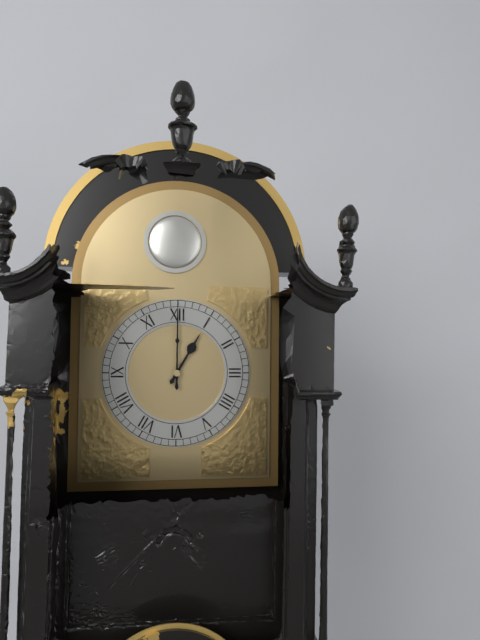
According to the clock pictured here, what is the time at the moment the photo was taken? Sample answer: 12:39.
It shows 1:00
